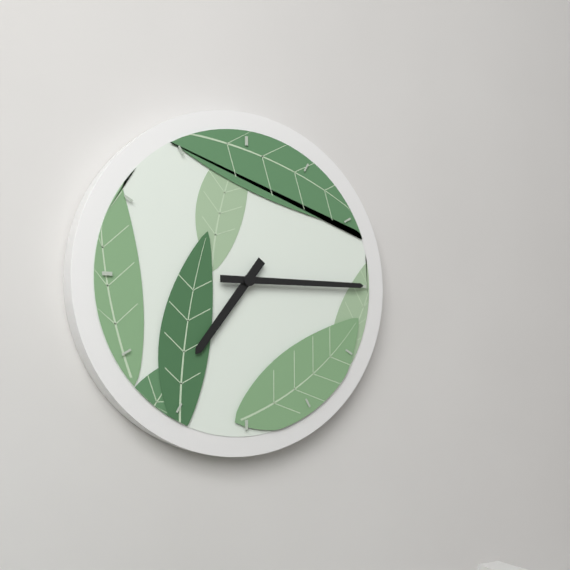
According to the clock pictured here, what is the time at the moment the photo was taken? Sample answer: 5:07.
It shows 7:15
